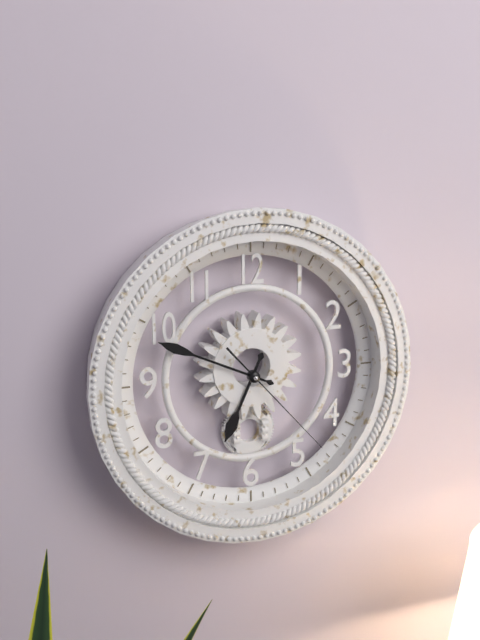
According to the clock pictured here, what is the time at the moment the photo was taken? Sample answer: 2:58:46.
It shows 6:49:23
